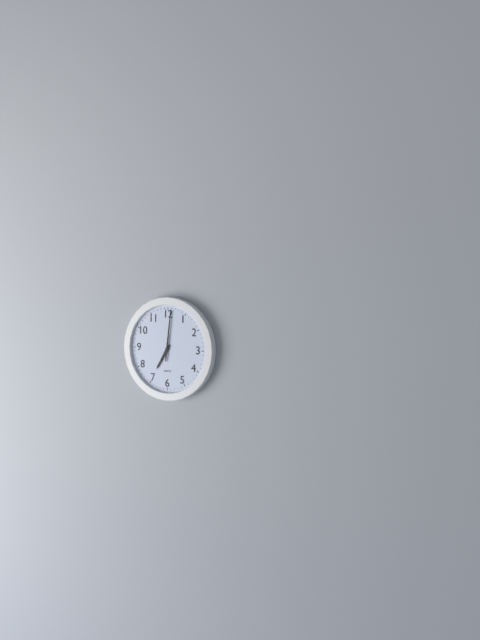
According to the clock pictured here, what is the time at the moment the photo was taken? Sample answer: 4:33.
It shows 7:01
